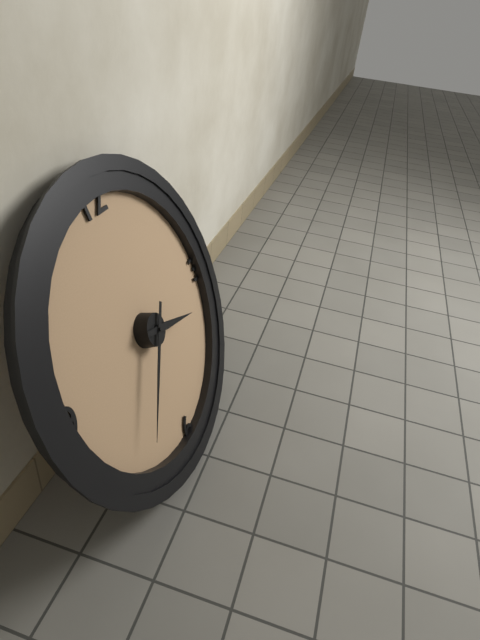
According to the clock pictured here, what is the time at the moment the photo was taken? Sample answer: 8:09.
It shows 3:37
